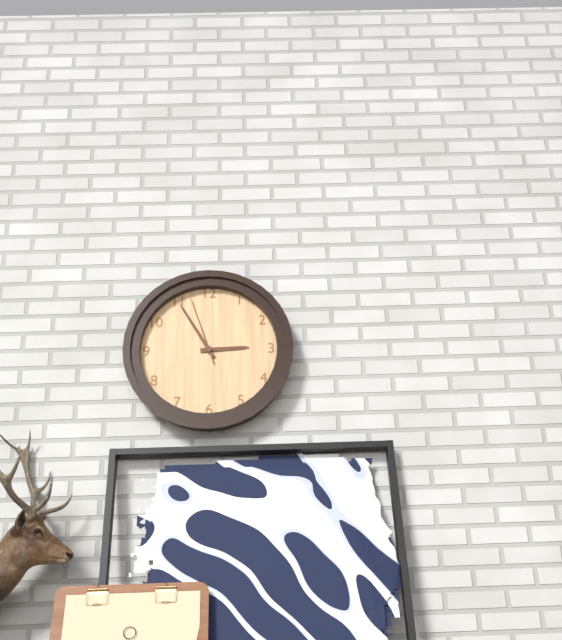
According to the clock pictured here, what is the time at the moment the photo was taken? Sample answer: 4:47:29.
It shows 2:55:57
